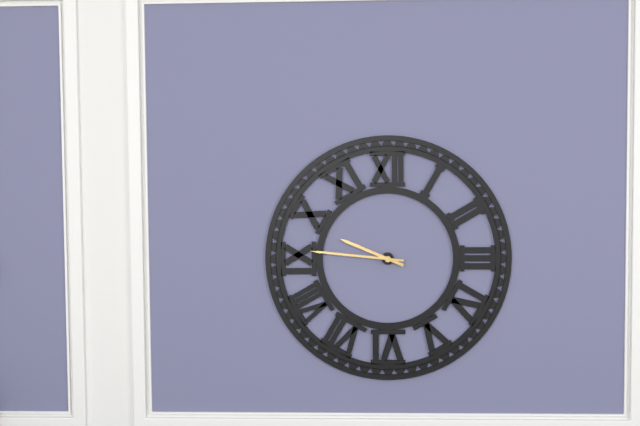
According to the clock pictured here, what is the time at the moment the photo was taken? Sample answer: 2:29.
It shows 9:46
